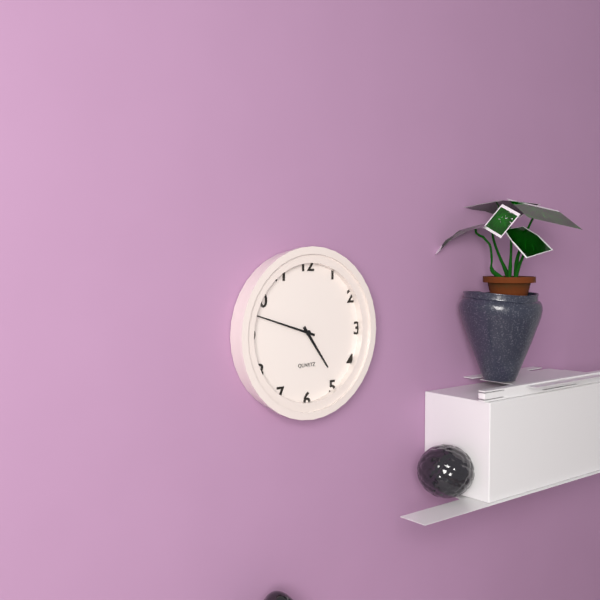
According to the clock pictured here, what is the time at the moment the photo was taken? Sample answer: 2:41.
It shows 4:48
